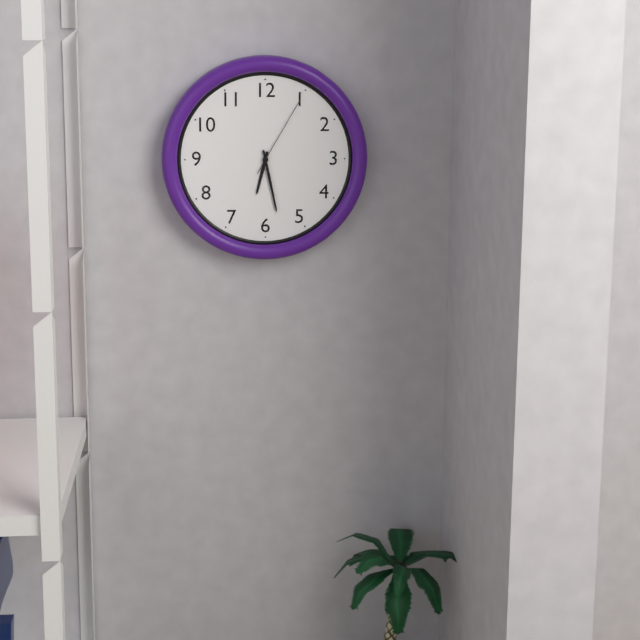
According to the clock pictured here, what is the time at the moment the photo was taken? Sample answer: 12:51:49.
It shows 6:28:05
